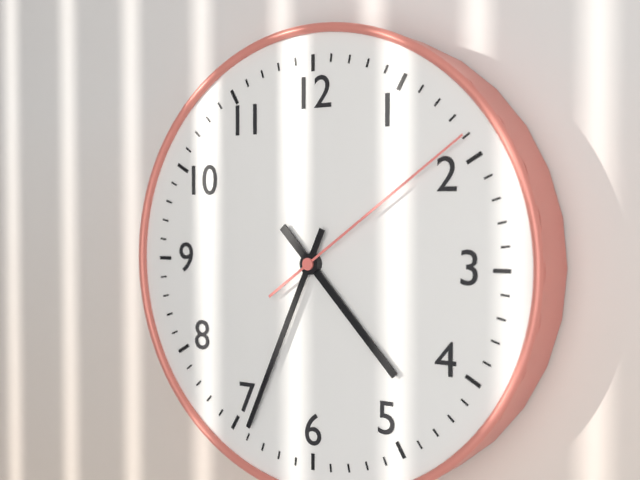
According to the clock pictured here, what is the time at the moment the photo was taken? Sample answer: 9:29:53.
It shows 4:34:09
